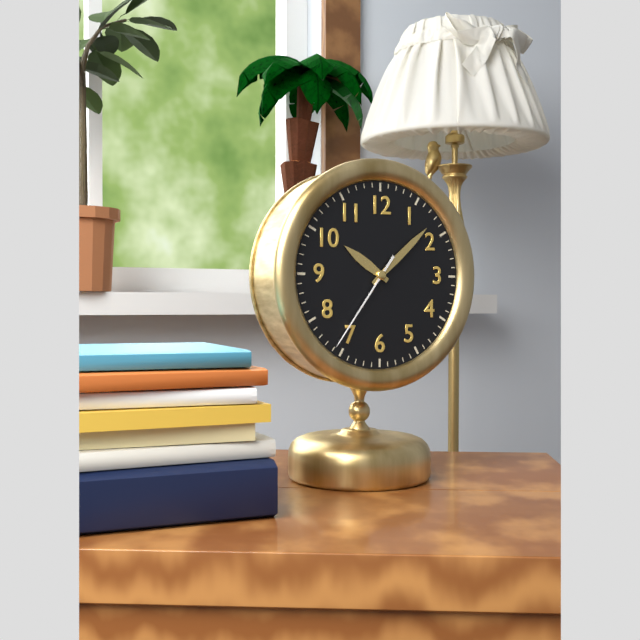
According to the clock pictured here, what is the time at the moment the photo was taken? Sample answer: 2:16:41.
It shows 10:08:36
